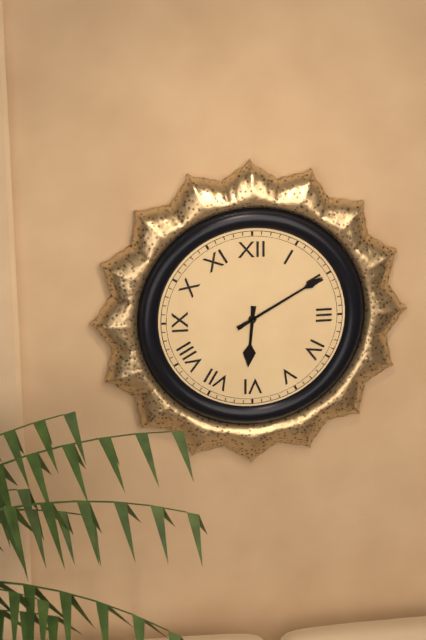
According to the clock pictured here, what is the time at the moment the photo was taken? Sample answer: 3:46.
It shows 6:10
